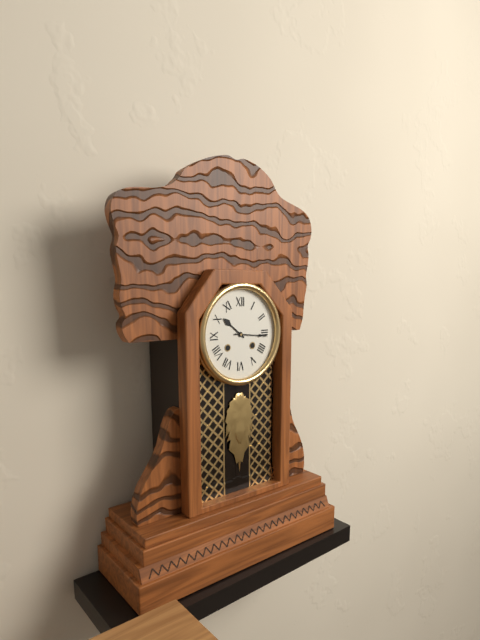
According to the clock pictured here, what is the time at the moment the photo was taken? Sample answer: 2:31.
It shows 10:16
